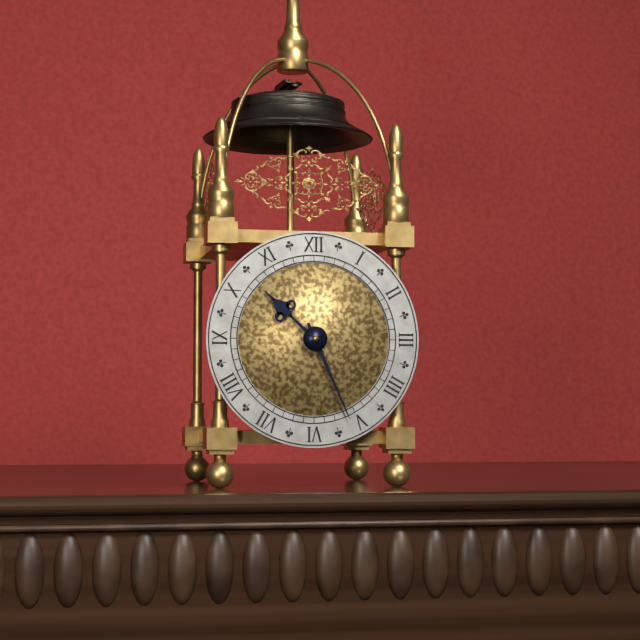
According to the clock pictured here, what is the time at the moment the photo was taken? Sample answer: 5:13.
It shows 10:26
